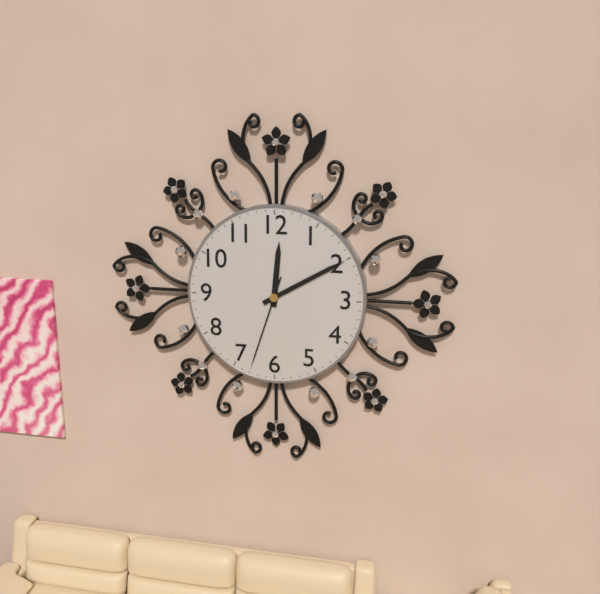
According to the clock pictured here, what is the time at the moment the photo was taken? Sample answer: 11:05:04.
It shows 12:10:33
